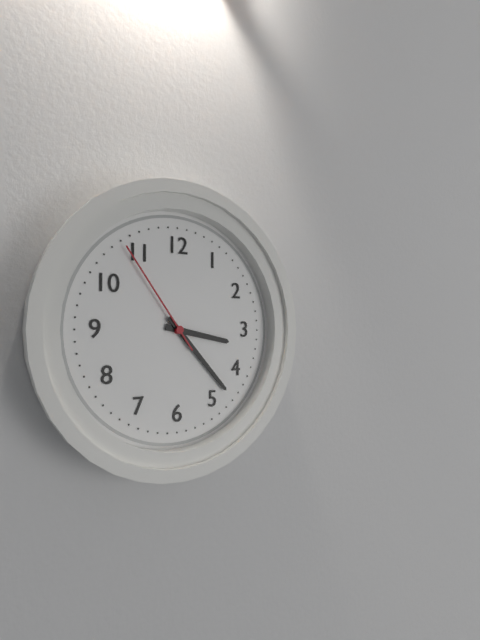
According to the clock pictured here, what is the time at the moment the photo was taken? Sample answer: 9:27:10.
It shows 3:23:54
